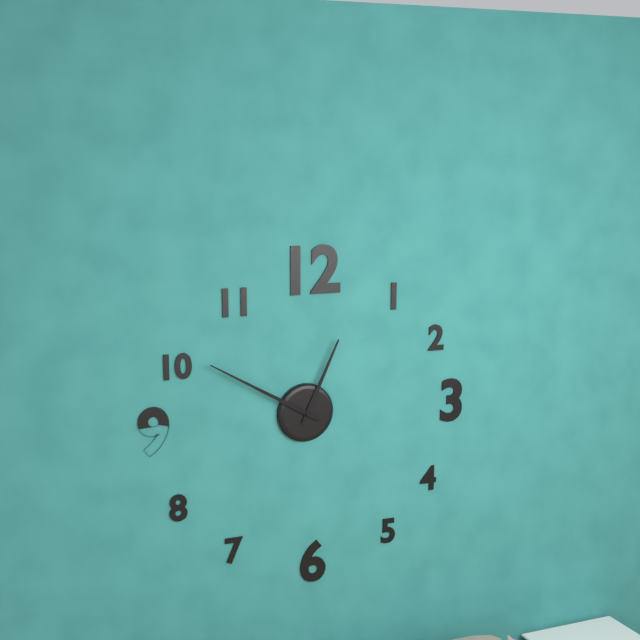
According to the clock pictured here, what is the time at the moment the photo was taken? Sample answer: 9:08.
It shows 12:50
